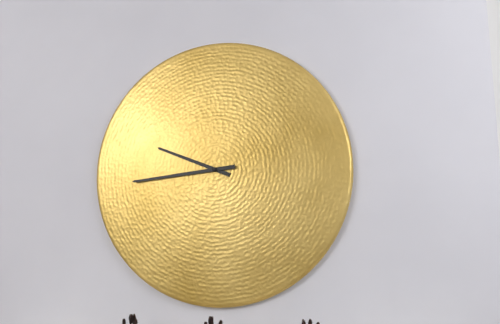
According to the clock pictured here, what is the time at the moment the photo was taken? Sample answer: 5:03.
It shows 9:44
